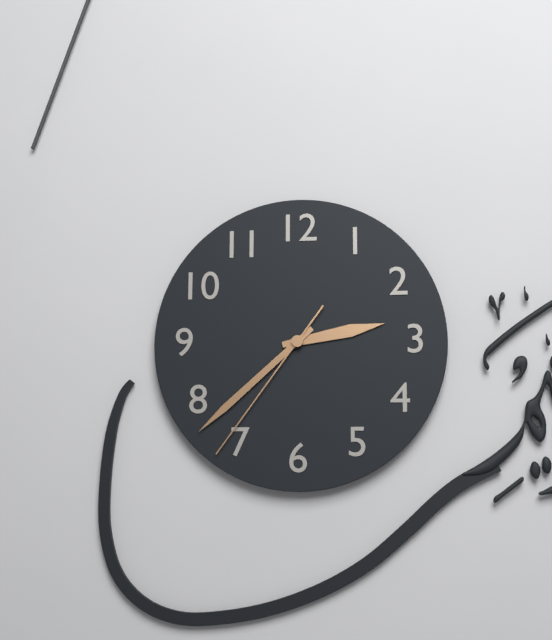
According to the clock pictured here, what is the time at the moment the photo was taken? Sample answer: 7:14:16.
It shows 2:38:36
